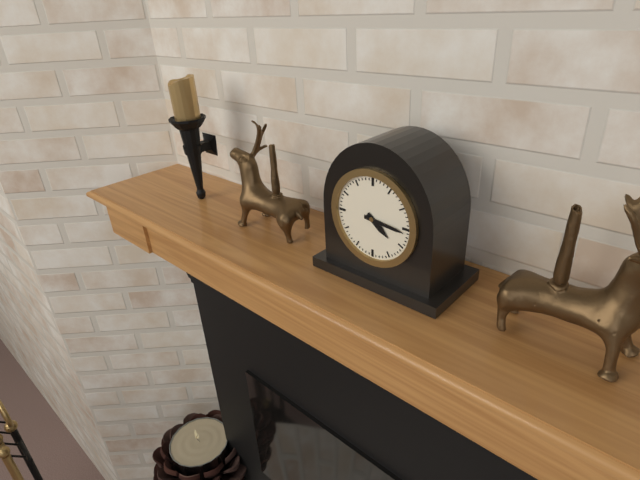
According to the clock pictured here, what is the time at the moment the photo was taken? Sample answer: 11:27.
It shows 4:16
